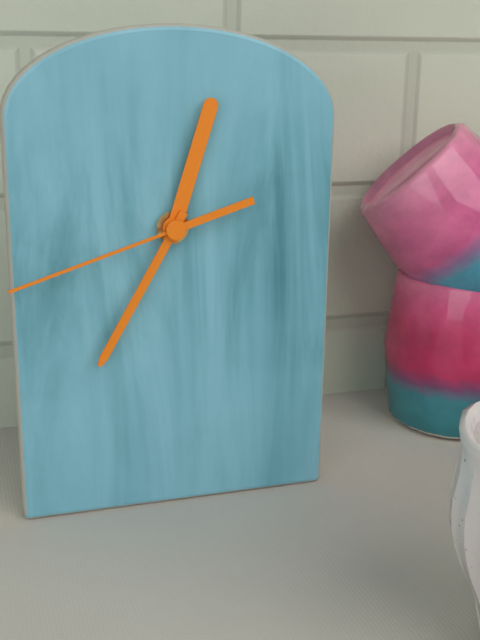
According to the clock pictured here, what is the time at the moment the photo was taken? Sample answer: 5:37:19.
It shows 12:35:42
